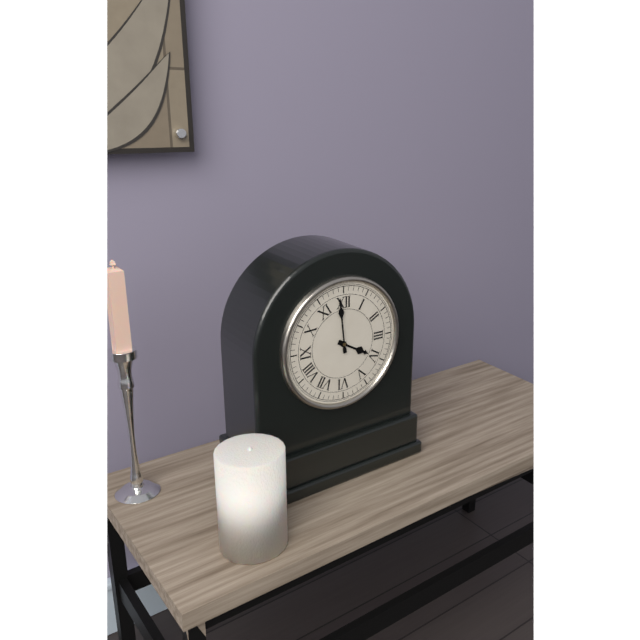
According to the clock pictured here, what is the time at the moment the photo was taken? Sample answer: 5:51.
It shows 3:59
